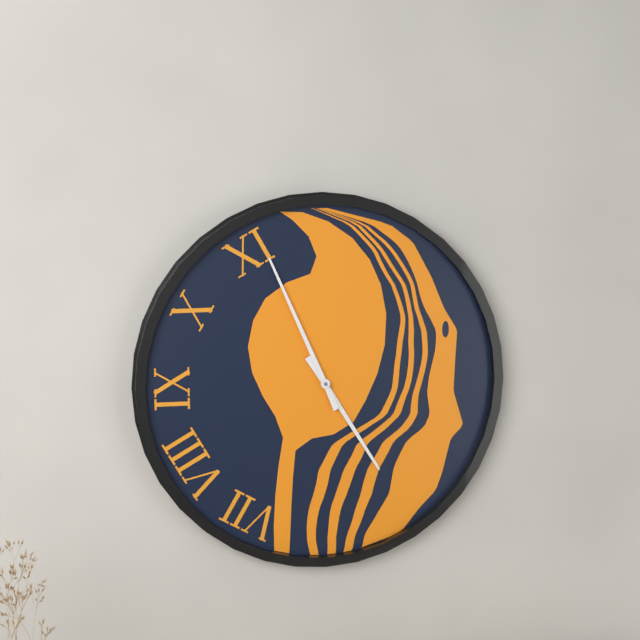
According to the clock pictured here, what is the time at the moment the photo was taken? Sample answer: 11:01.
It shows 4:56
